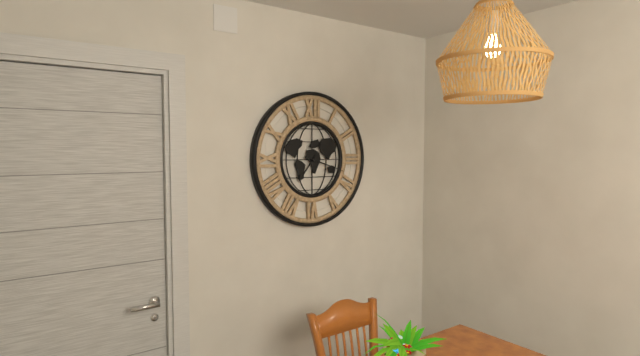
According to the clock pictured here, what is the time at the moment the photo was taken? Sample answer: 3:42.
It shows 7:18
